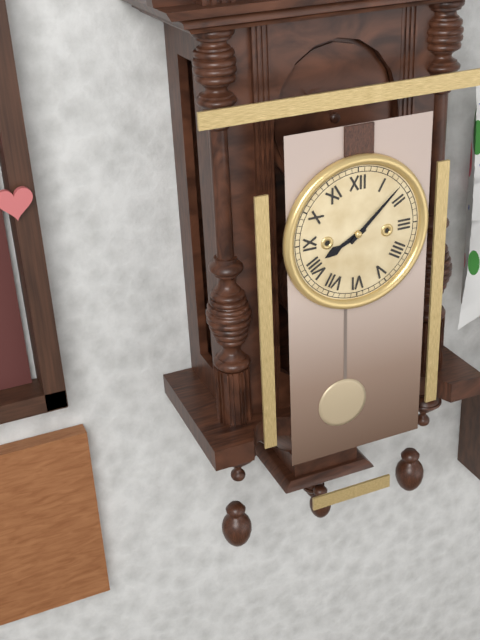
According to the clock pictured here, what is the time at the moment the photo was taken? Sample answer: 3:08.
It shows 8:08
